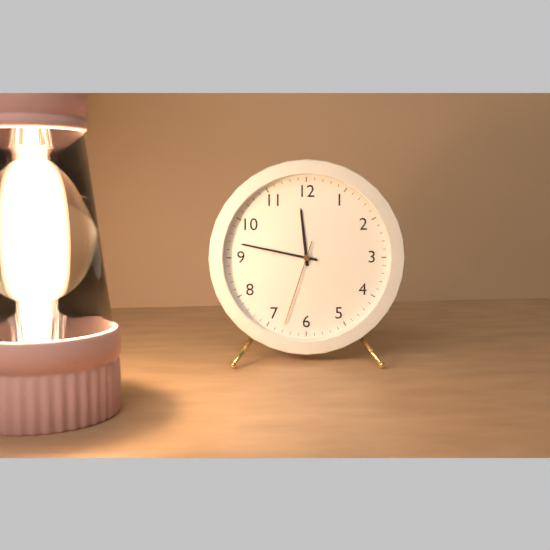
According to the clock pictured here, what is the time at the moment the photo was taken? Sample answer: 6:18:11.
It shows 11:47:33
